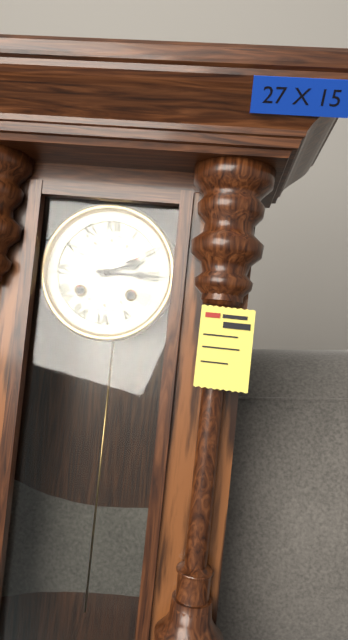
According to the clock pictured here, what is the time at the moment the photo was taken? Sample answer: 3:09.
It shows 2:15
